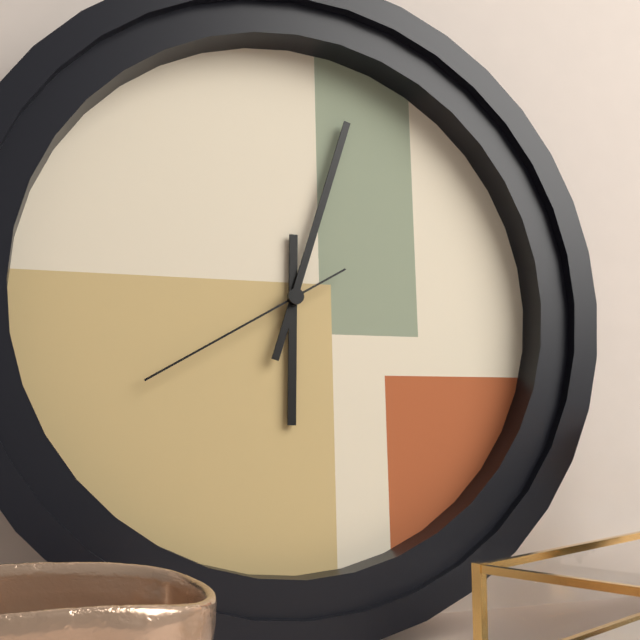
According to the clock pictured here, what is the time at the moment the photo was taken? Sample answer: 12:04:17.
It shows 6:03:40
